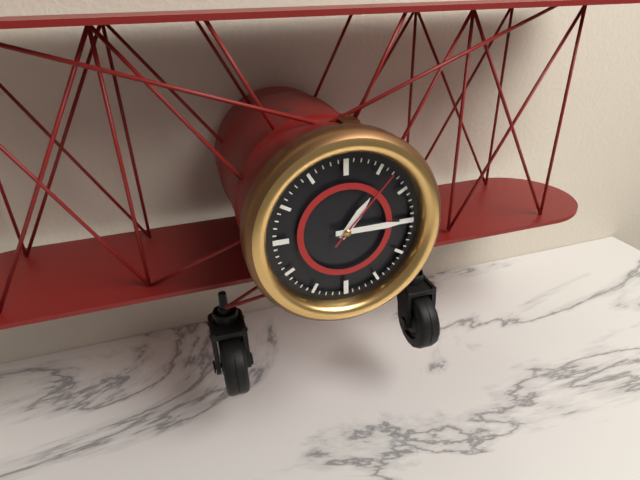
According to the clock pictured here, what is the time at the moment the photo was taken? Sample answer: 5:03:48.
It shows 1:15:07
